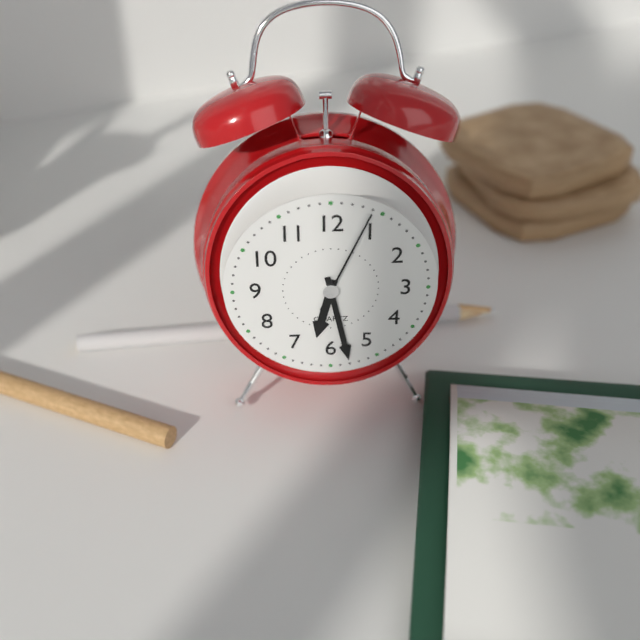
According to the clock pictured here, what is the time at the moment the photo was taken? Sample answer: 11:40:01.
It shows 6:28:04
